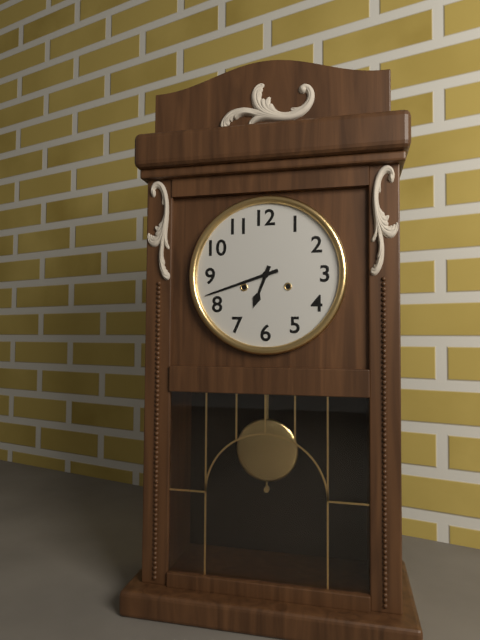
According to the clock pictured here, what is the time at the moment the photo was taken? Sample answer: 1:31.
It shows 6:42
